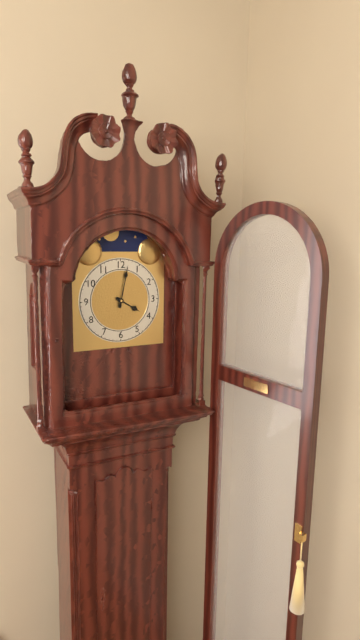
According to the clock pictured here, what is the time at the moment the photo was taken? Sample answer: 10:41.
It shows 4:02
